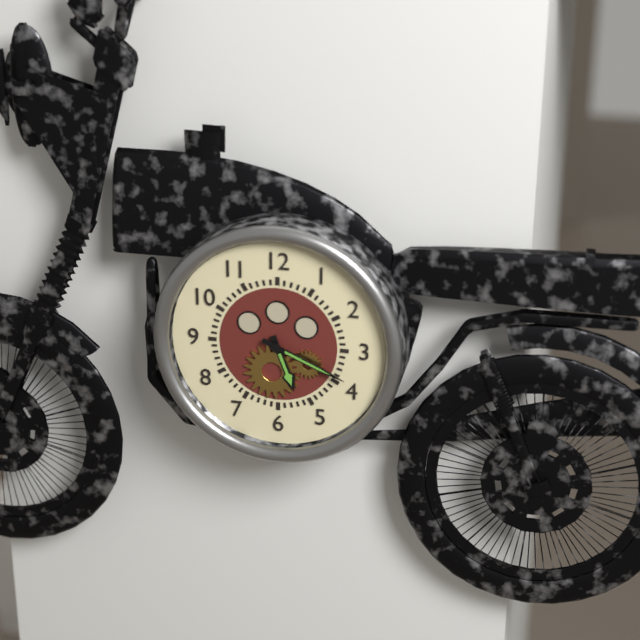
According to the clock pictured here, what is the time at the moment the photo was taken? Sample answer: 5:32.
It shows 5:19
